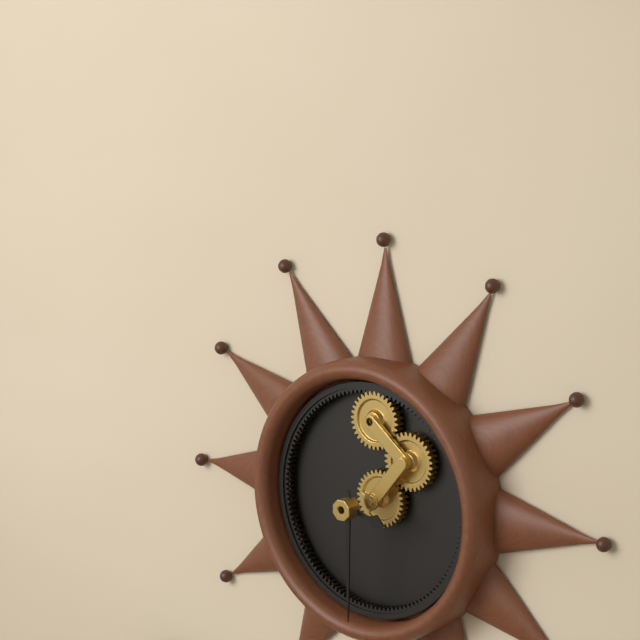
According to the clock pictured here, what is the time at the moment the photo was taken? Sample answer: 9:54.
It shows 3:30
